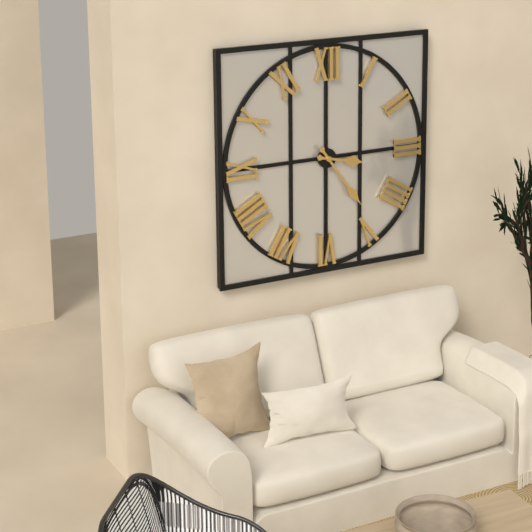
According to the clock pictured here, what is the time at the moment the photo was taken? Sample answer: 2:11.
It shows 3:24
